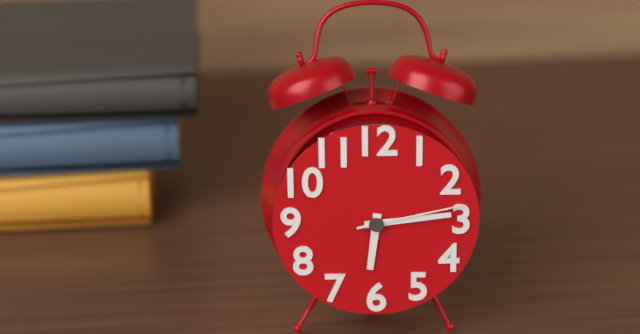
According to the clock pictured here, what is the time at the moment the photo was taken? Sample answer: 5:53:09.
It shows 6:14:13
